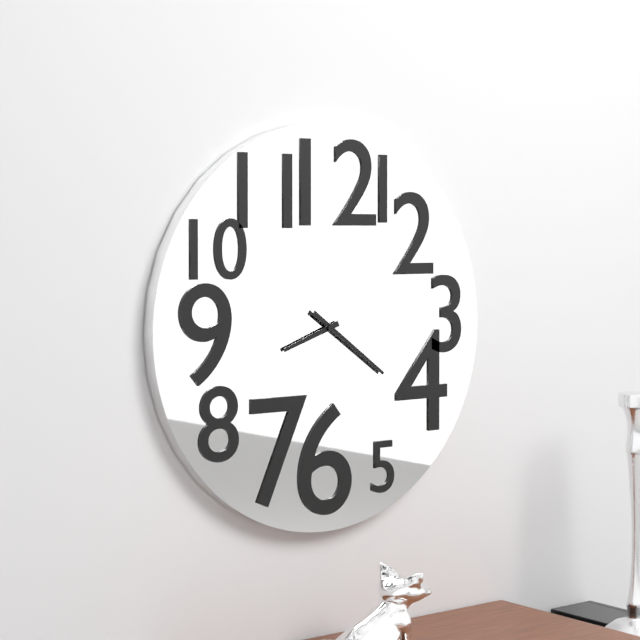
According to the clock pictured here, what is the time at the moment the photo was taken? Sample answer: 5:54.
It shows 8:21
